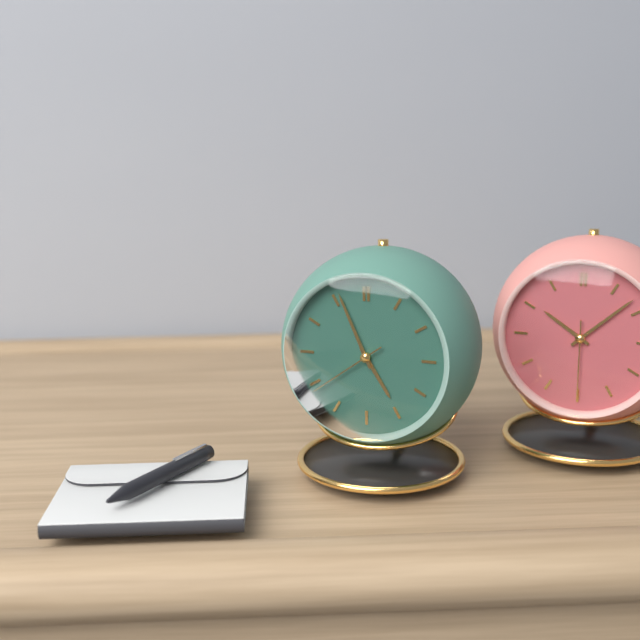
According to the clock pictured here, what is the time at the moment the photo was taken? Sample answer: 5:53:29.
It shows 4:56:39
